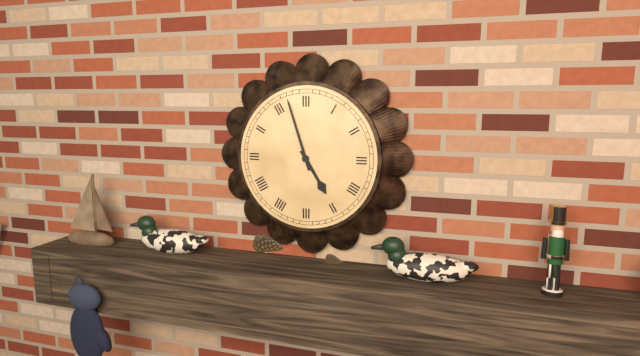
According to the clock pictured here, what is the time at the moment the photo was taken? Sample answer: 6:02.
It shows 4:57
